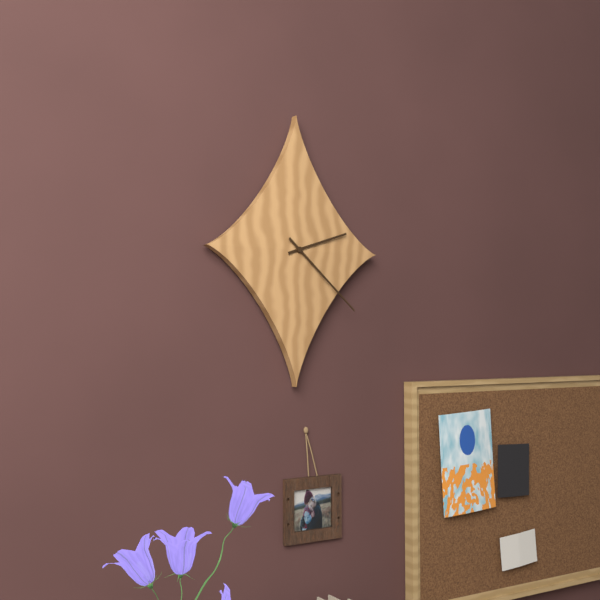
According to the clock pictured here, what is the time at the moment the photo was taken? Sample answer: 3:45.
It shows 2:22
